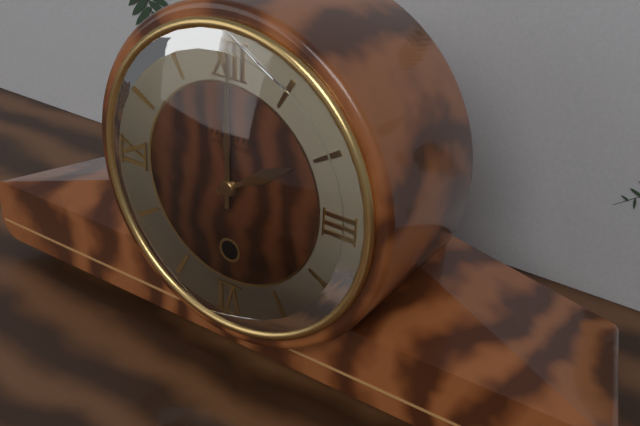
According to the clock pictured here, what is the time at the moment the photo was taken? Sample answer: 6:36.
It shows 2:00
